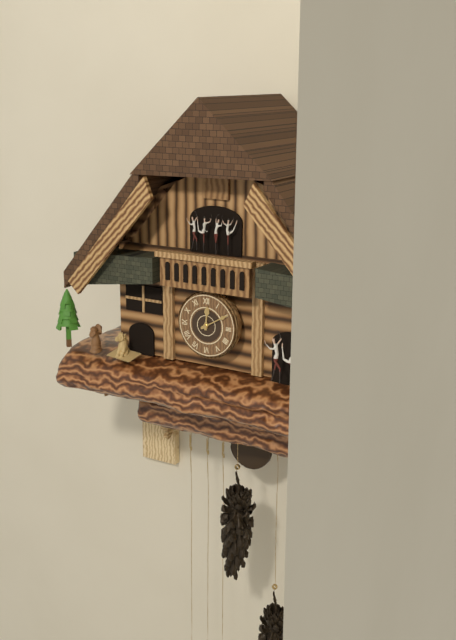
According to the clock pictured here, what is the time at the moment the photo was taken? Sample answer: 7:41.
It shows 12:10
